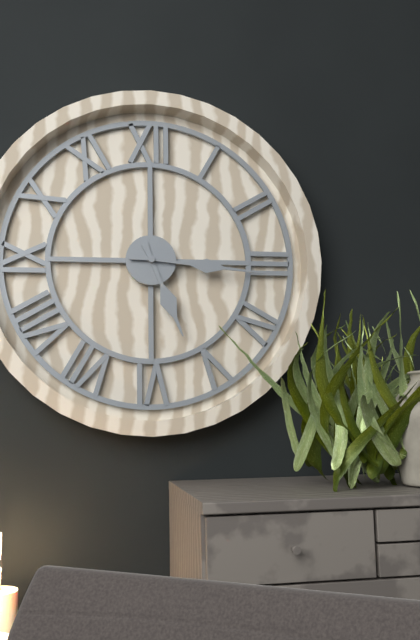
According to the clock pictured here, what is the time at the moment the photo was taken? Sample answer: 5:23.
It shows 5:16
